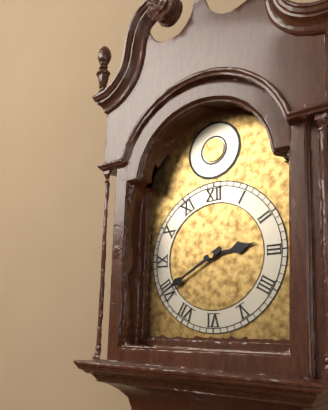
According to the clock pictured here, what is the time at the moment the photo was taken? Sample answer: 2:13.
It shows 2:40
